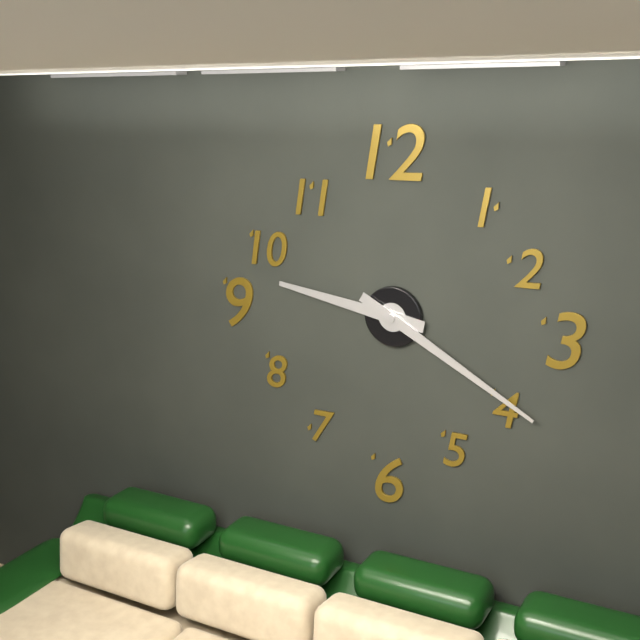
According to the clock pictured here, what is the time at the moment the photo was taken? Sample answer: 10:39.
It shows 9:20
